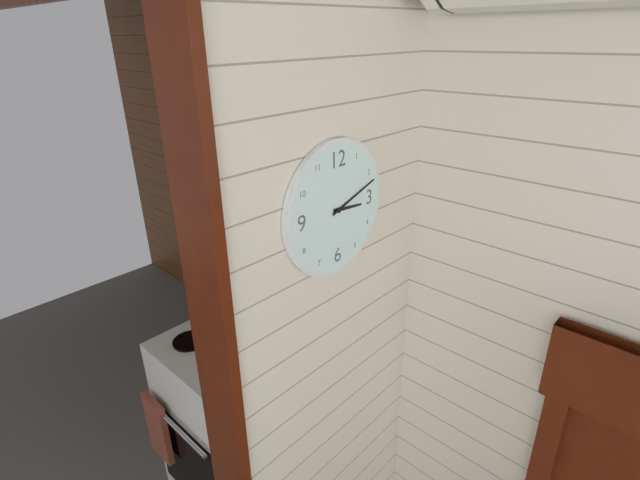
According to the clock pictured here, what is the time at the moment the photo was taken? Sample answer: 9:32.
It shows 3:12
